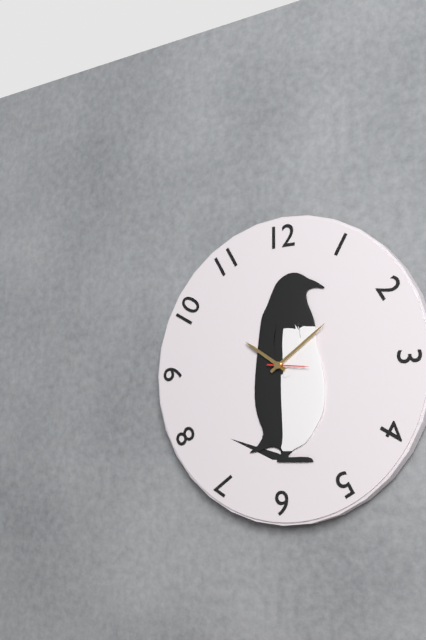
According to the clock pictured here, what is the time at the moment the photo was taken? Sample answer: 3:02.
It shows 10:09
